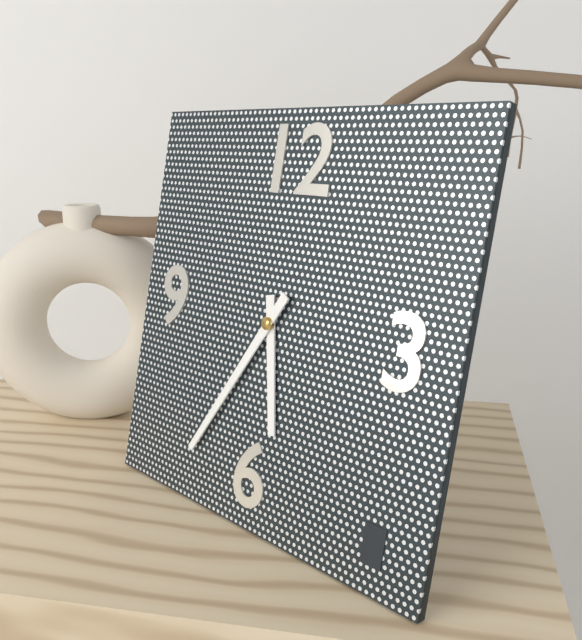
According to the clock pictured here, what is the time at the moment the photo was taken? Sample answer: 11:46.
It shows 5:35
